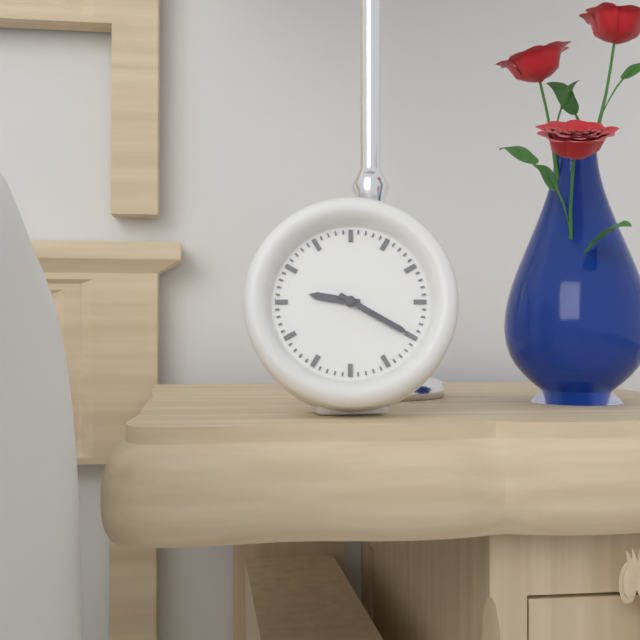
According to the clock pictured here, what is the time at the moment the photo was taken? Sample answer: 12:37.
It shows 9:20
